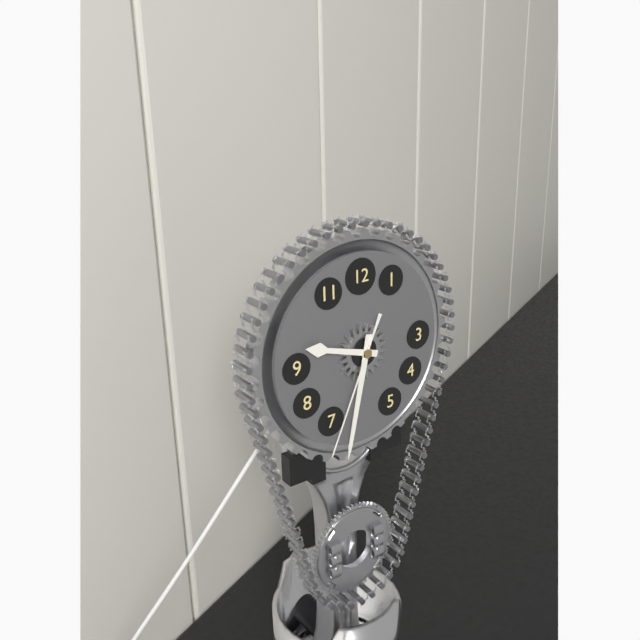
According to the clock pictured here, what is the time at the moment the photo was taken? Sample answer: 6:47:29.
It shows 9:32:34
